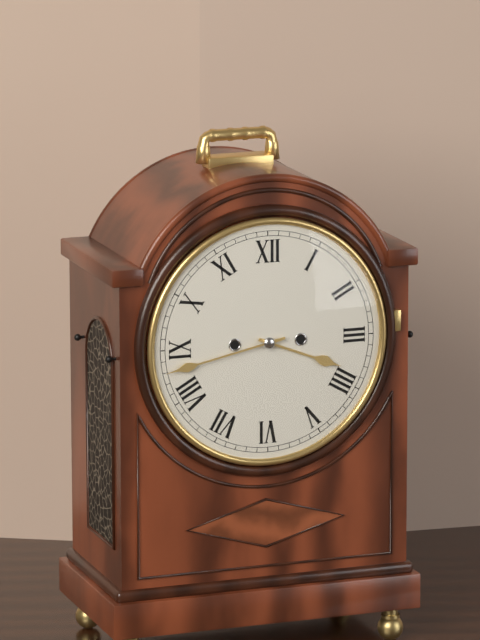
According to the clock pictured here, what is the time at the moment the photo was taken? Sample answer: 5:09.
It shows 3:43
